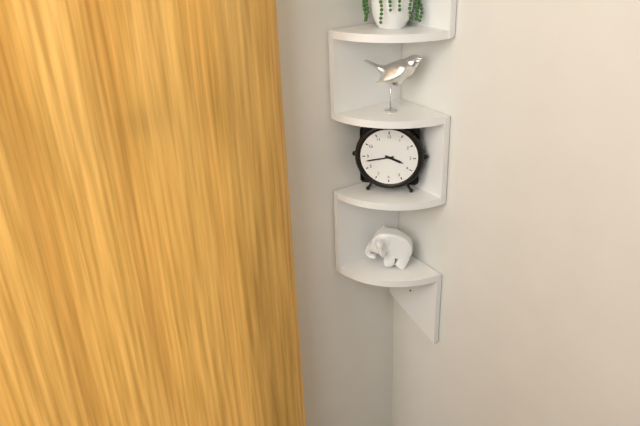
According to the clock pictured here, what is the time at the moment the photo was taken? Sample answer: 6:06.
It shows 3:43
